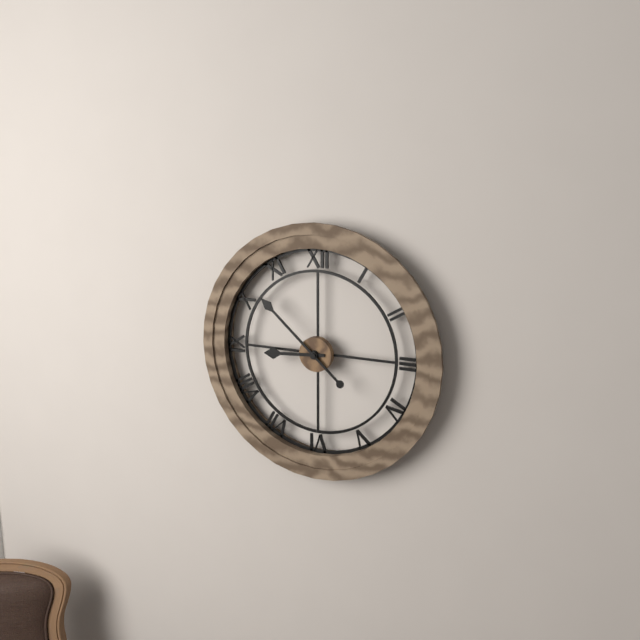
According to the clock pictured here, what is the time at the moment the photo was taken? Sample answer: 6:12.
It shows 8:52
